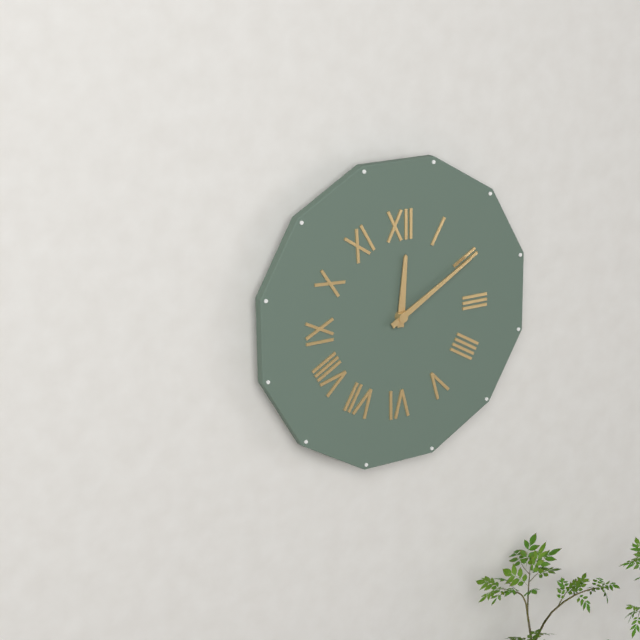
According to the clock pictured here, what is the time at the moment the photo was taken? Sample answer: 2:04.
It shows 12:10
